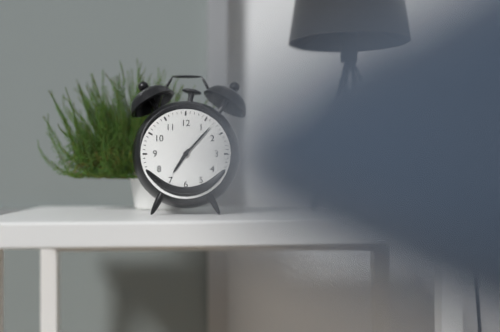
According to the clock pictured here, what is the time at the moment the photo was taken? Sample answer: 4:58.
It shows 7:07
